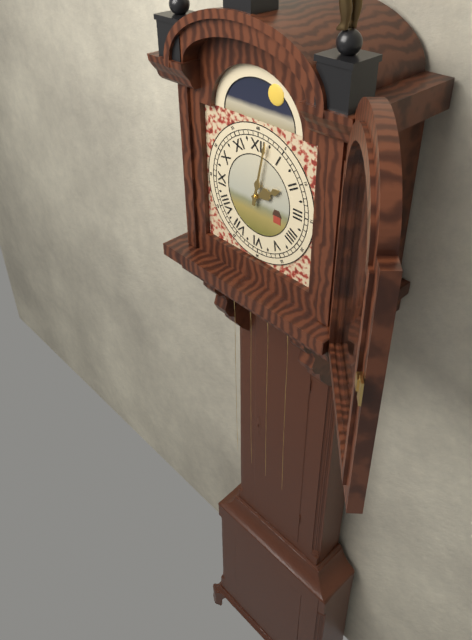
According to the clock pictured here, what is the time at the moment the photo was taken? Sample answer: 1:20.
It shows 2:02
